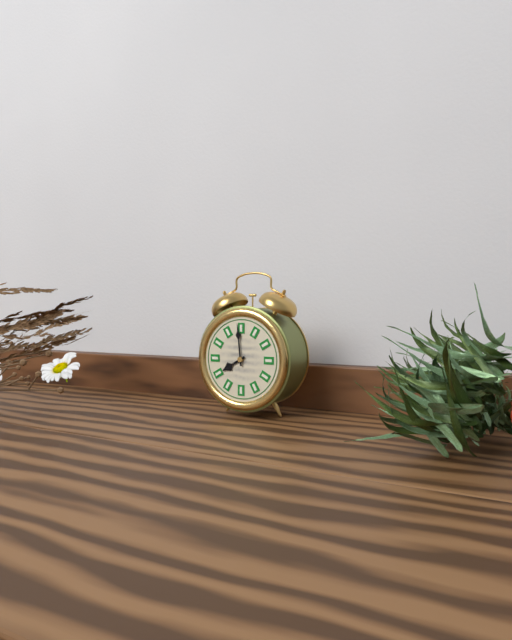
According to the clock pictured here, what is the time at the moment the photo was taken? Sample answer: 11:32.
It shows 7:59
